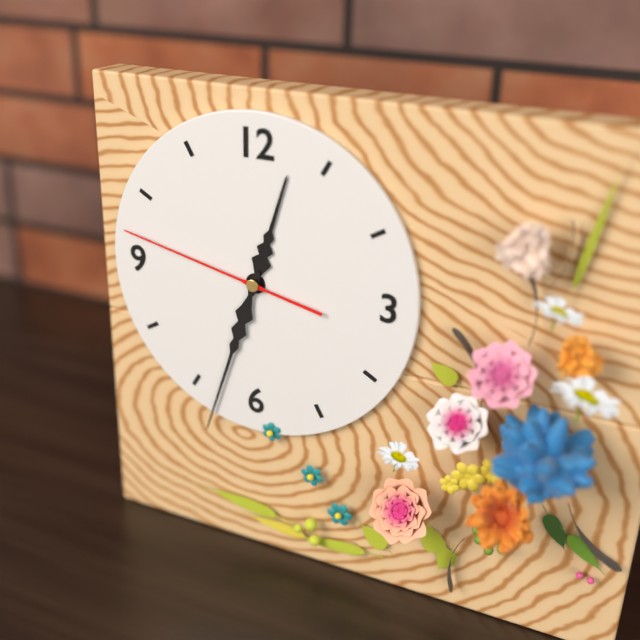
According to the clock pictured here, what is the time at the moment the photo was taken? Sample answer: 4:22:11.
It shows 12:33:47
